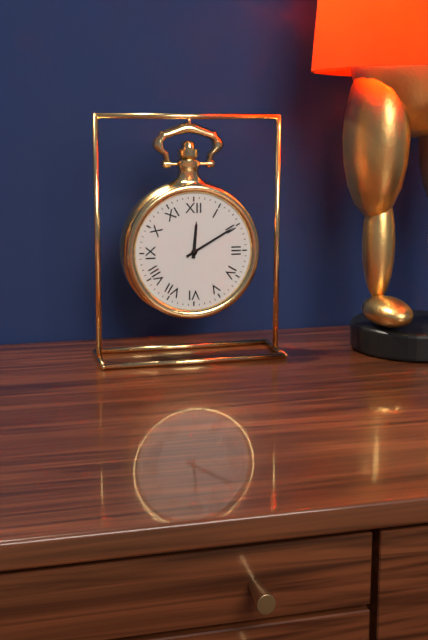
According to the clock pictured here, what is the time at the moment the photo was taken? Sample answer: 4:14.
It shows 12:10
